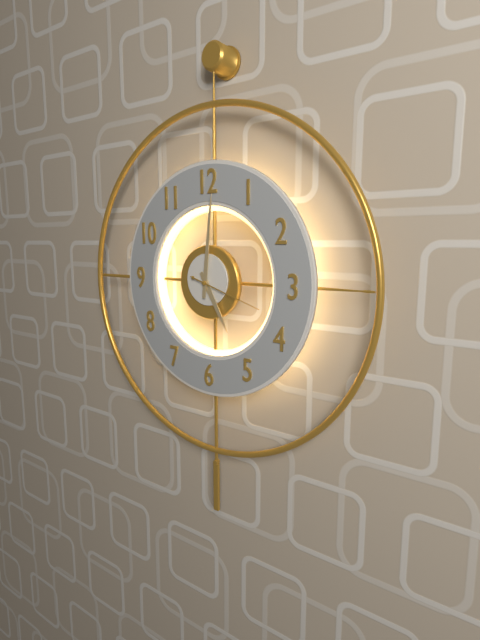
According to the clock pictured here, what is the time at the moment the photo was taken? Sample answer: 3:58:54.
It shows 5:01:18
